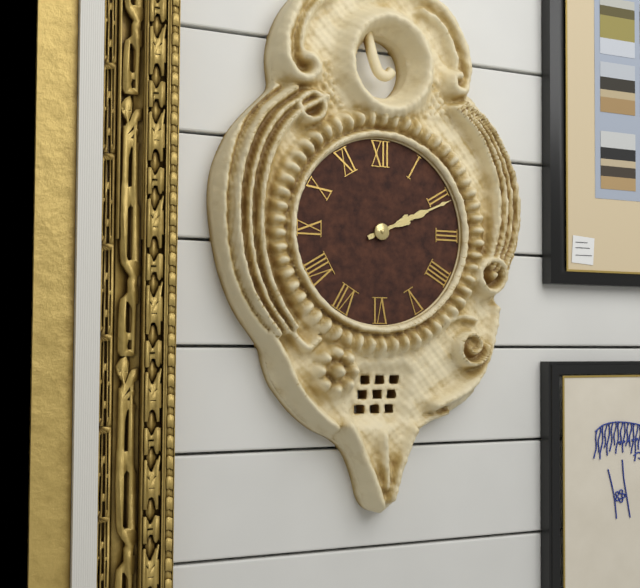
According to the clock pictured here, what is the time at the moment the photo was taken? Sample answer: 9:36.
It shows 2:11
